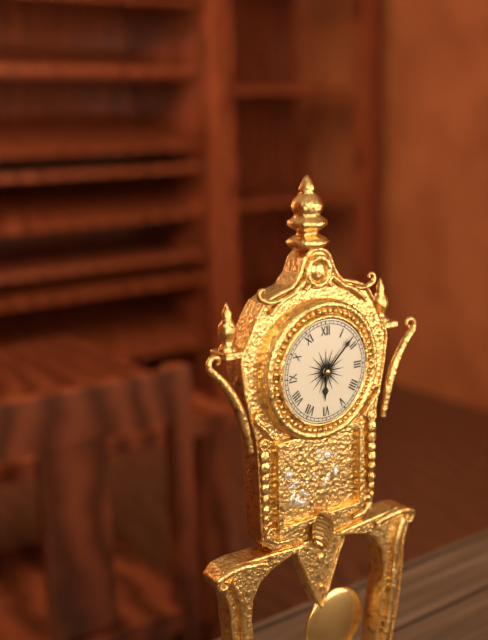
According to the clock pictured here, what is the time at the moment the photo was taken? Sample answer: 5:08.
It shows 6:08
